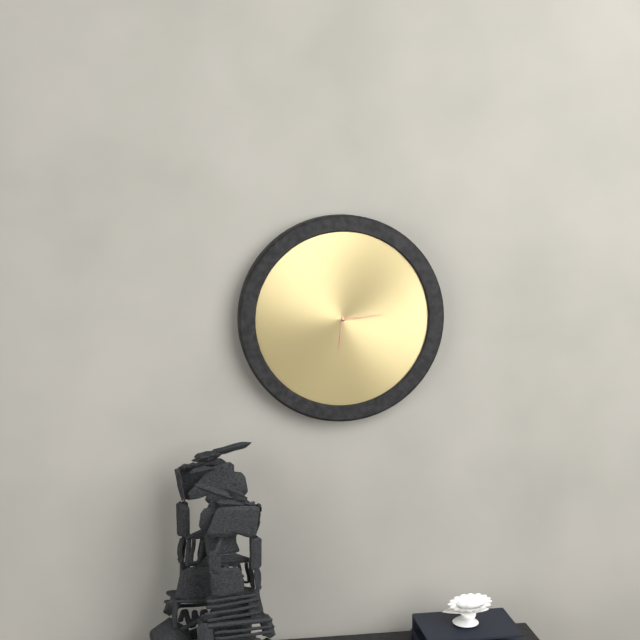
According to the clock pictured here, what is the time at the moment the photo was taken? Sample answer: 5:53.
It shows 6:14
